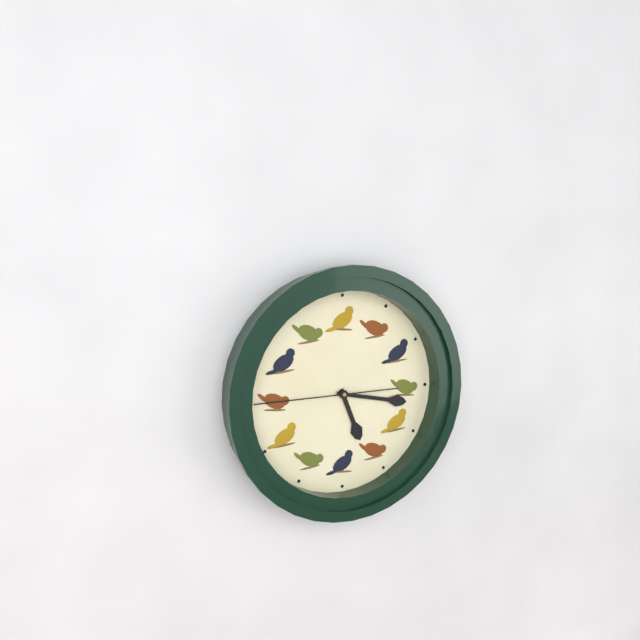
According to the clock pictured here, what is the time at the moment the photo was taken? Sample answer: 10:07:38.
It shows 5:17:45
